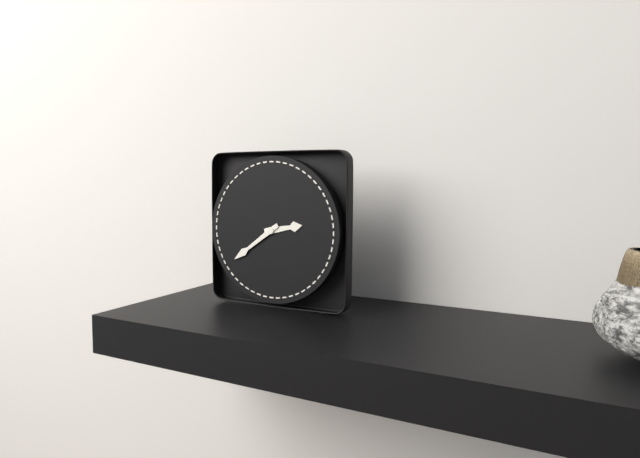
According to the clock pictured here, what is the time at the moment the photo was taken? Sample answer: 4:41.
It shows 2:39
